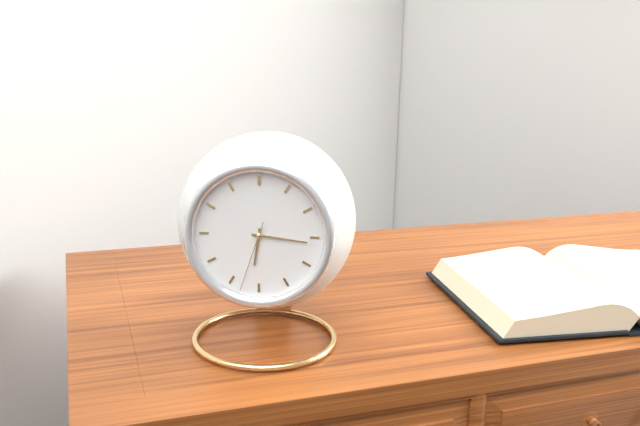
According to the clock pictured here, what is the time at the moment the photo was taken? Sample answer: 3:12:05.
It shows 6:16:33
